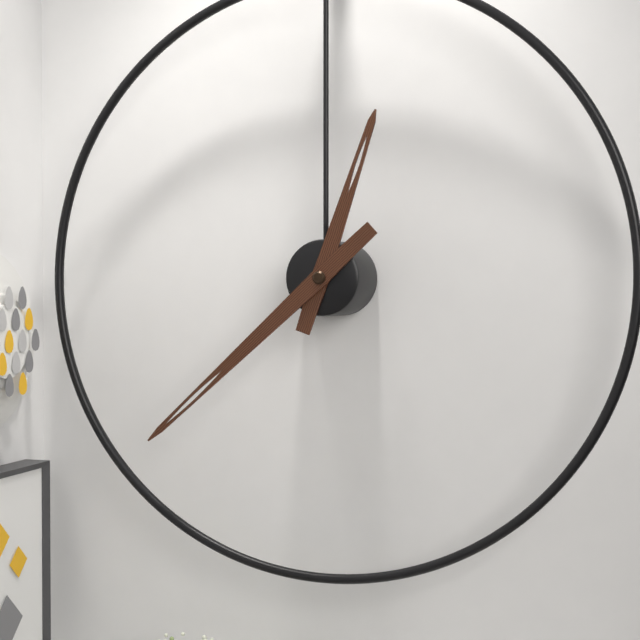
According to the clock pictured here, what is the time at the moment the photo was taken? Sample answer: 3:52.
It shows 12:38
